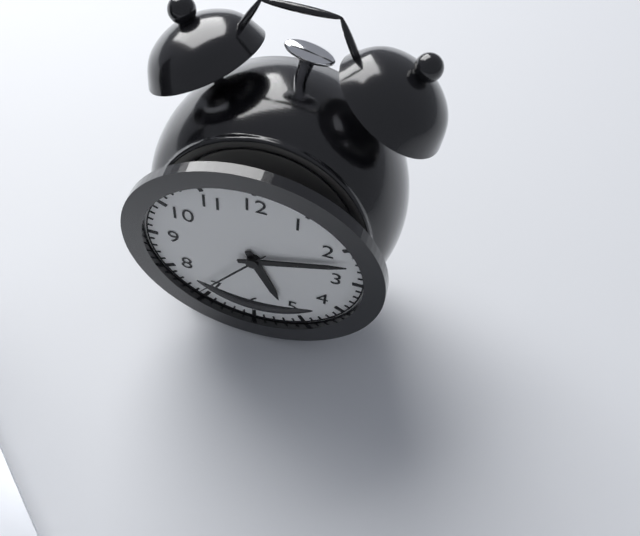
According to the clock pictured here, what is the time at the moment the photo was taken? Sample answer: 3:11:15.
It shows 5:12:36
